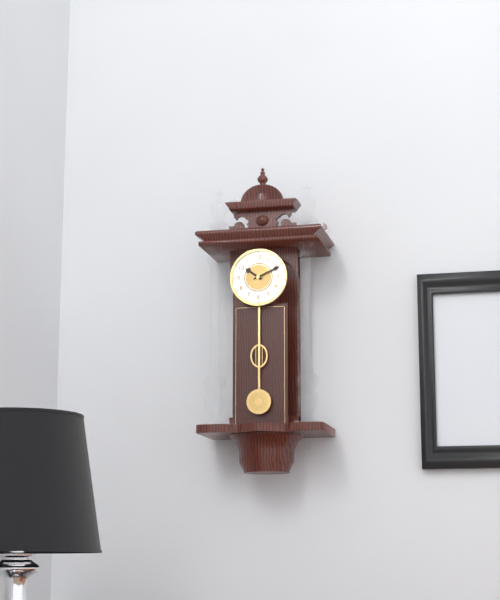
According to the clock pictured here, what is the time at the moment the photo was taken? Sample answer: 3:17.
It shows 10:11
